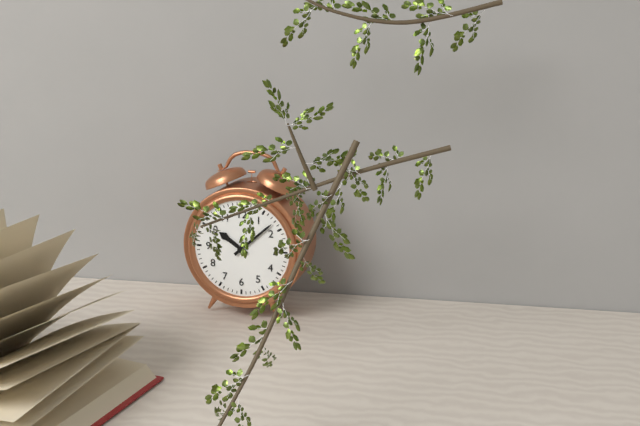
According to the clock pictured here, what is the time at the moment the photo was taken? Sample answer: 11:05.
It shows 10:08
